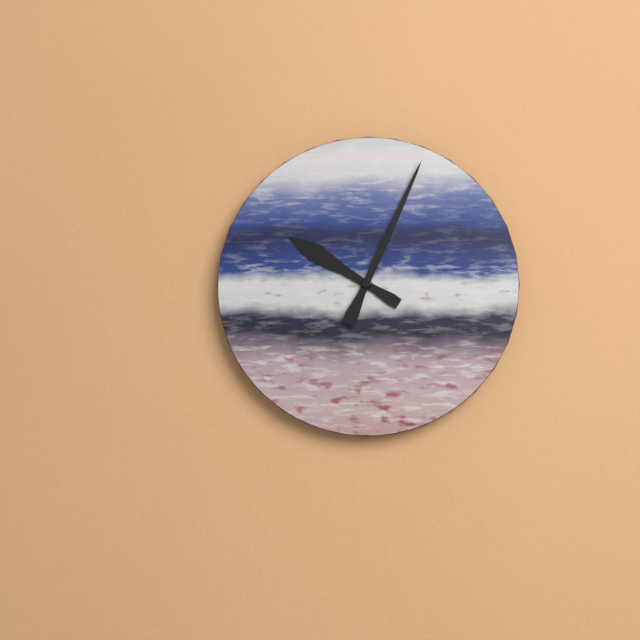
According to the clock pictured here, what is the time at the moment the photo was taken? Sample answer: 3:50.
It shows 10:04
